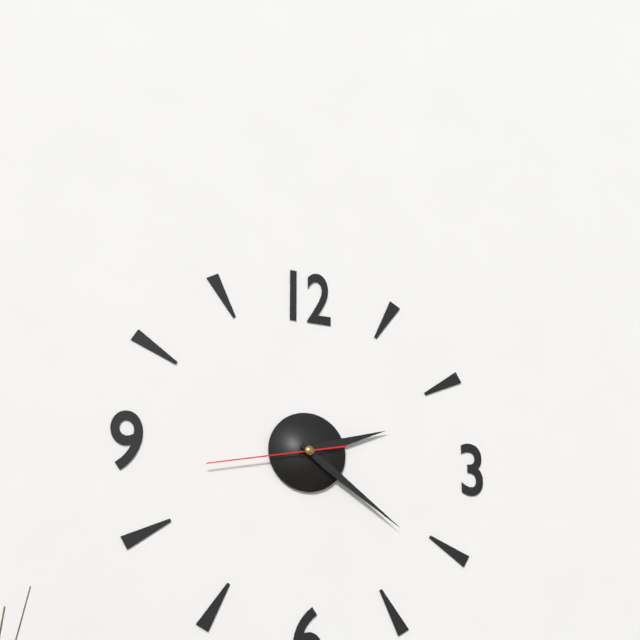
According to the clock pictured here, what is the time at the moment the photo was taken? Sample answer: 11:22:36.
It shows 2:21:43
